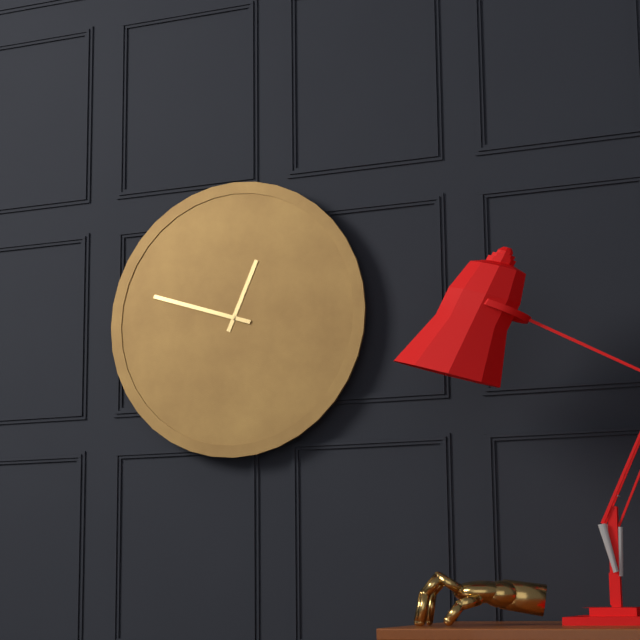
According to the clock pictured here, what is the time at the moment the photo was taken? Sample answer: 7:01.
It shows 12:48
